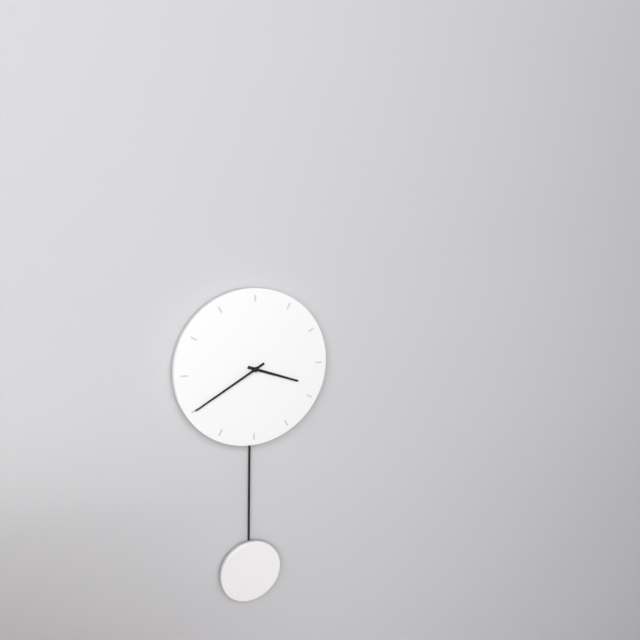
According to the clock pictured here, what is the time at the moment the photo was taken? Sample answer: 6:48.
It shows 3:40
